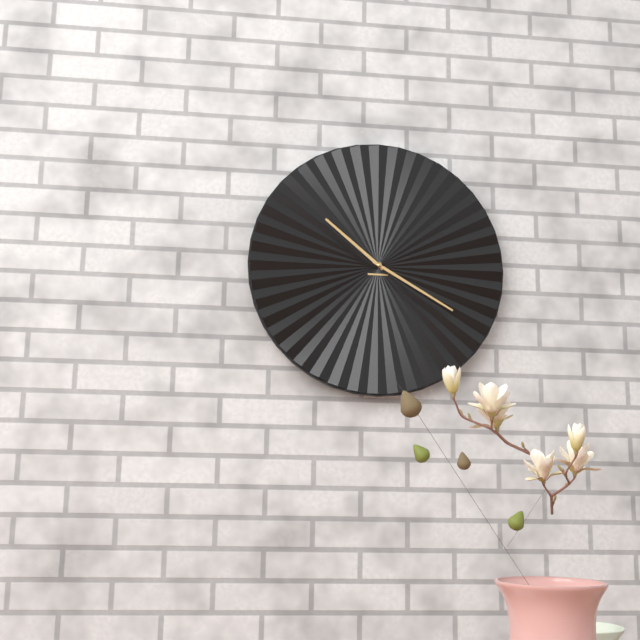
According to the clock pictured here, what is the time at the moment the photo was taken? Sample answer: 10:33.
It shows 10:20
